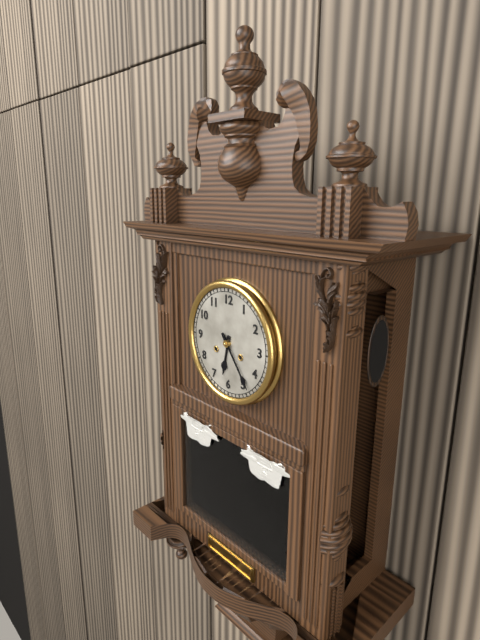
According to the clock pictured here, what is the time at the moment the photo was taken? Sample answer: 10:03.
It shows 6:24
